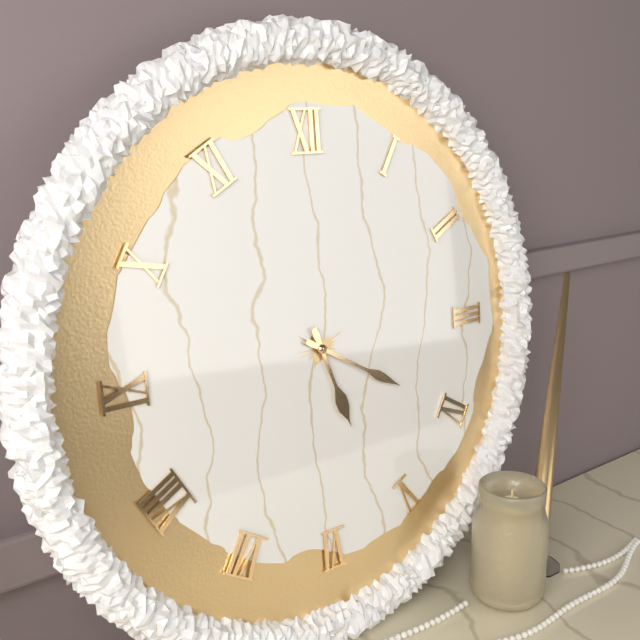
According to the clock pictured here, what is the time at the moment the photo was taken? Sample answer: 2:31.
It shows 5:20
